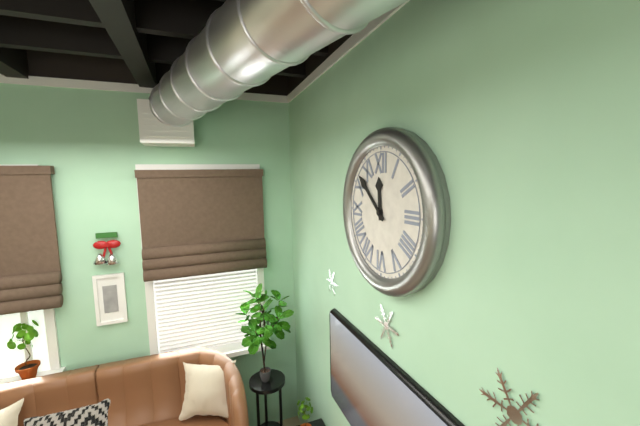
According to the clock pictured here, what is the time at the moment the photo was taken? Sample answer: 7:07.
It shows 11:52
